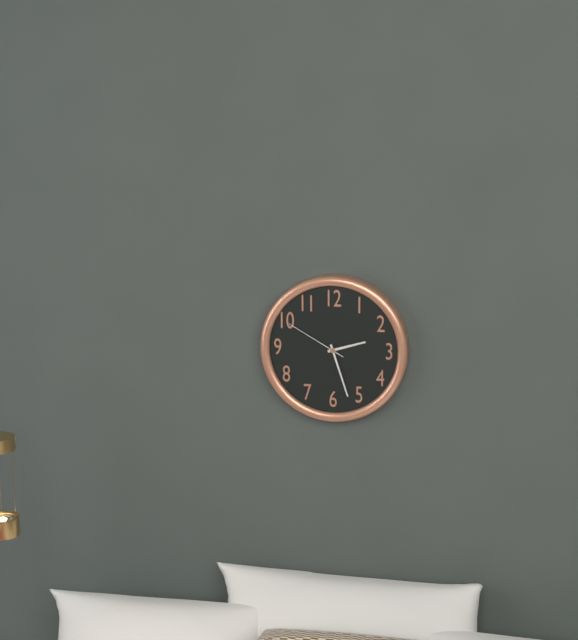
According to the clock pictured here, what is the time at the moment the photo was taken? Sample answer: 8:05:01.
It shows 2:27:50
